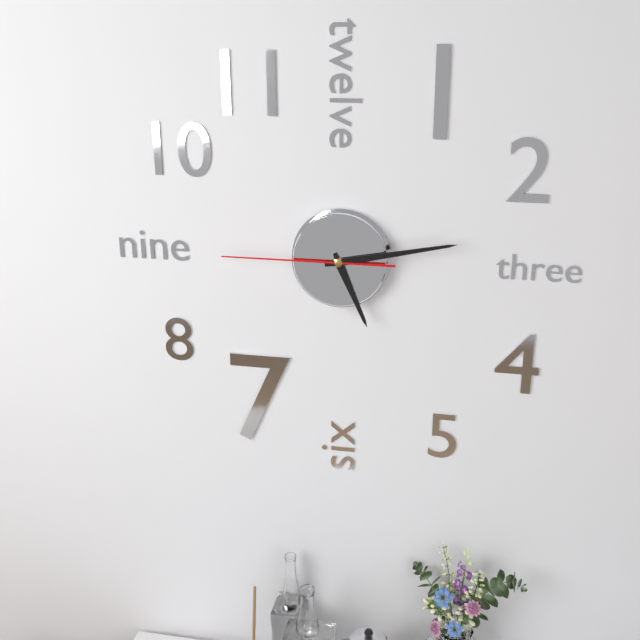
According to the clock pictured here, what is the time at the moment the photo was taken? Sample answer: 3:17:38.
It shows 5:13:45
